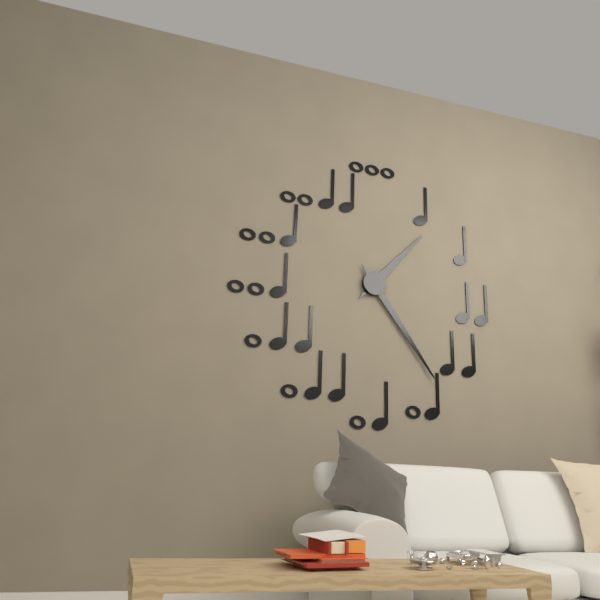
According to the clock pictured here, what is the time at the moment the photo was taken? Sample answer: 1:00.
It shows 1:24
